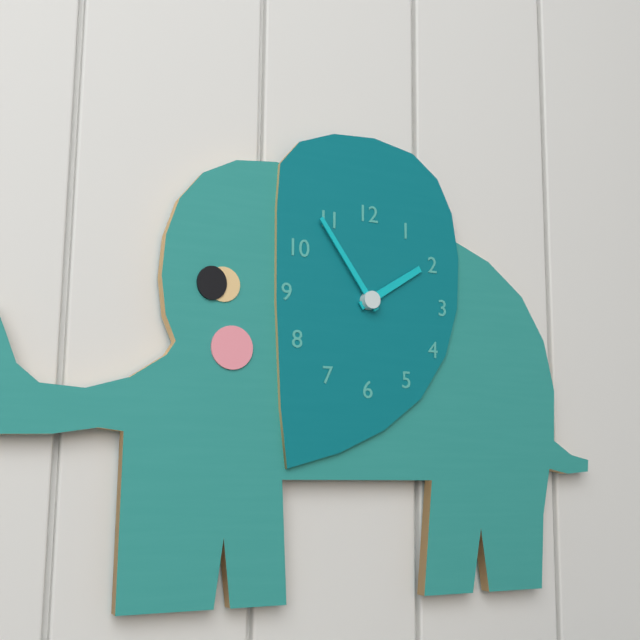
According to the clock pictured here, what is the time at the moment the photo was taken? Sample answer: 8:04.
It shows 1:54
